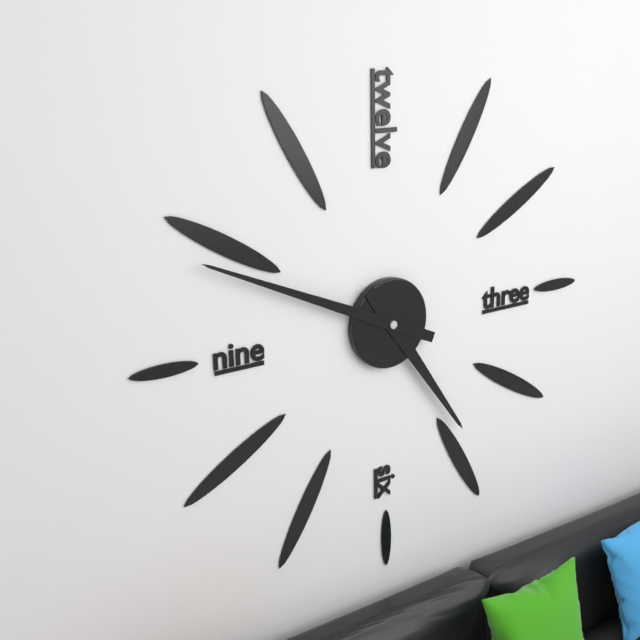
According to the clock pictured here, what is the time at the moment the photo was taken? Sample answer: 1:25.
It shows 4:49
